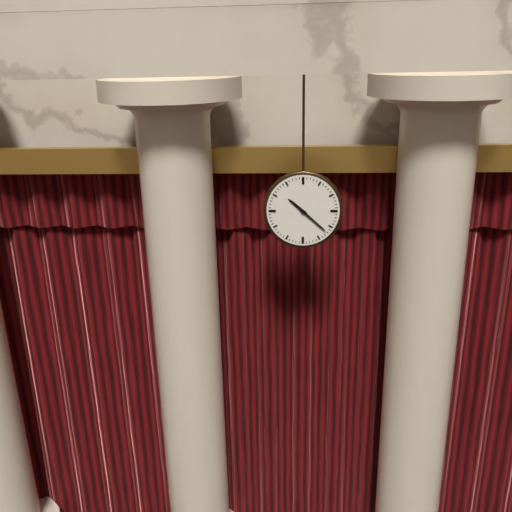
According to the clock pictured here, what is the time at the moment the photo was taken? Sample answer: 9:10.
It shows 10:22
